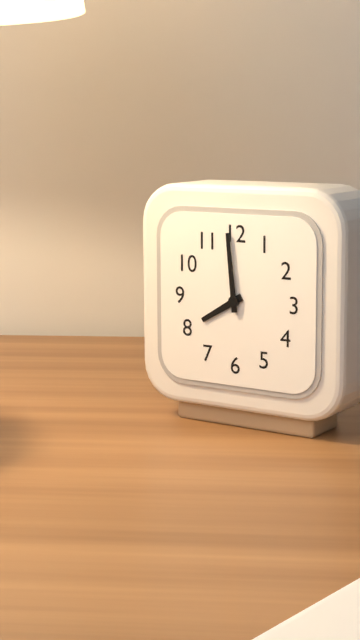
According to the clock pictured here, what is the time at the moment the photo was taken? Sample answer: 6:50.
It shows 7:59
